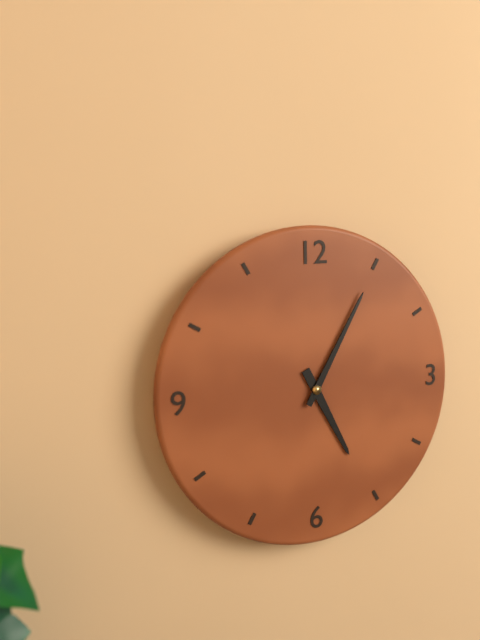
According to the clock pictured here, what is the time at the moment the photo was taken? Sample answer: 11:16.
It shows 5:05
